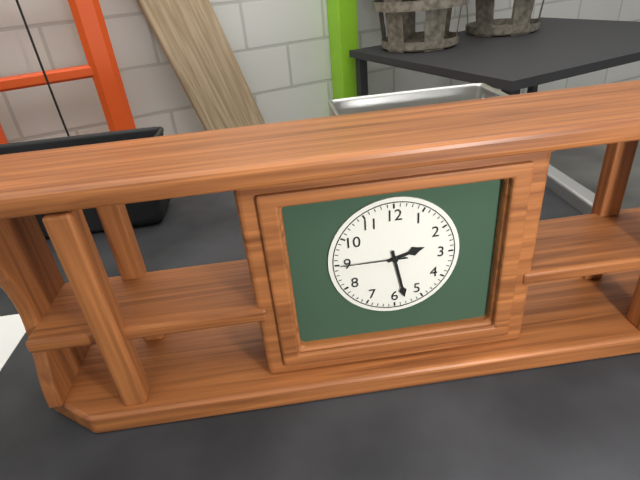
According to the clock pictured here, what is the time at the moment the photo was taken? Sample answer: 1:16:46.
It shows 2:28:45
